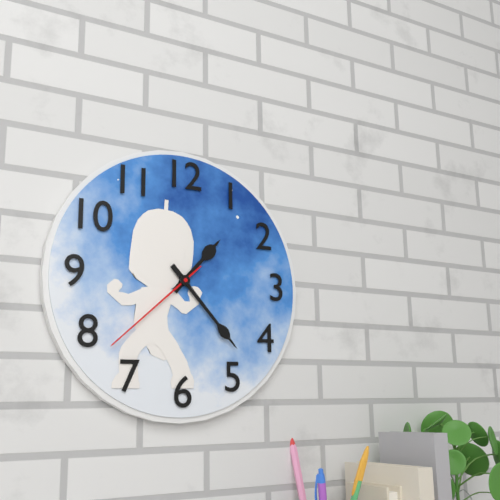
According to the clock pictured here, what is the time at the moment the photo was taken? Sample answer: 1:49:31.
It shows 1:23:38
